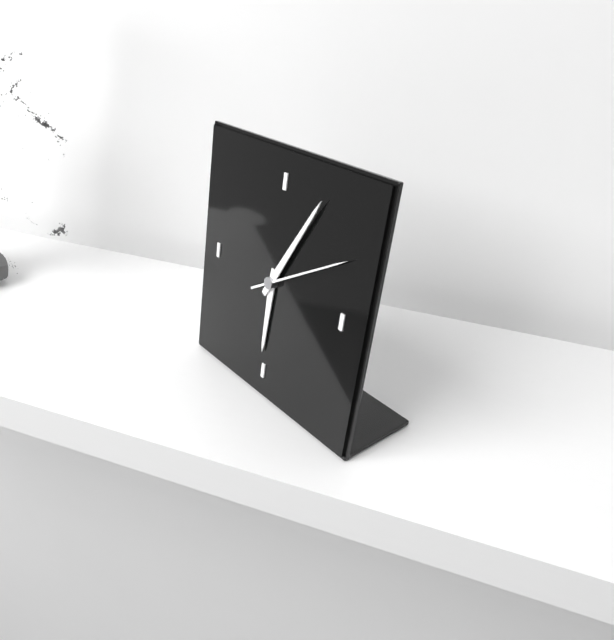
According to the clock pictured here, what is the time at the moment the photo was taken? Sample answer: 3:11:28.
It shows 6:05:10
